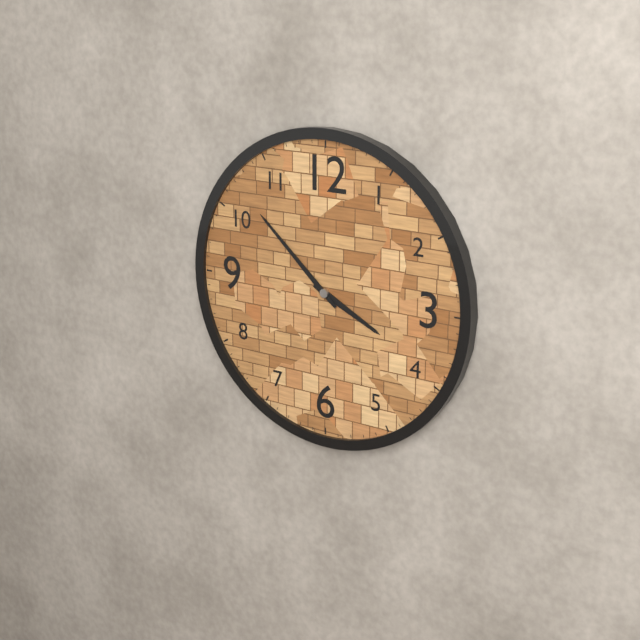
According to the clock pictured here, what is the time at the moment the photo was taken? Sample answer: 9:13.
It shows 3:52
